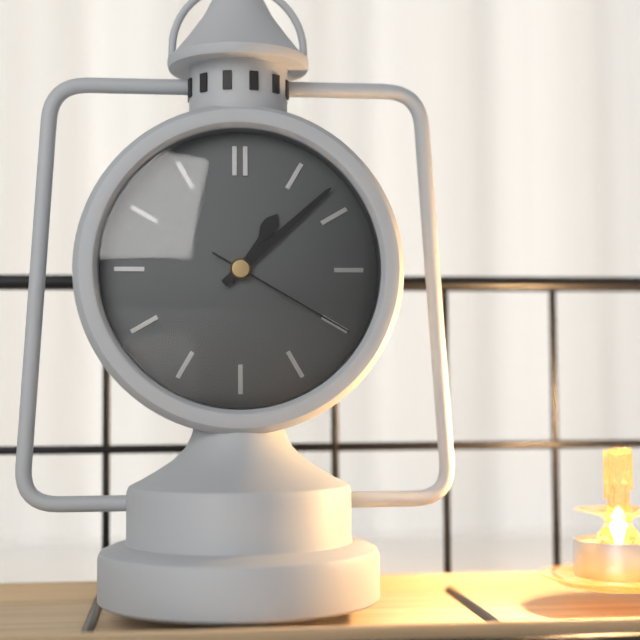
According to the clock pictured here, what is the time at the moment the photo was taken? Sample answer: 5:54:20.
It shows 1:08:20
